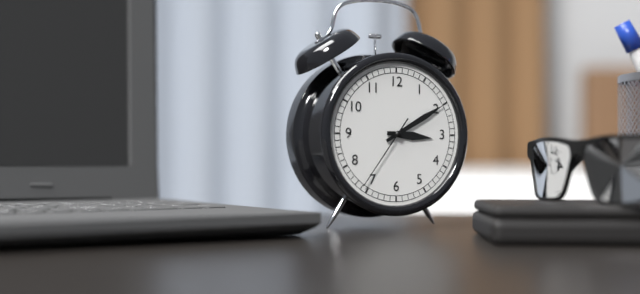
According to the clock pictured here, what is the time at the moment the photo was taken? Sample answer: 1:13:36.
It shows 3:10:36
